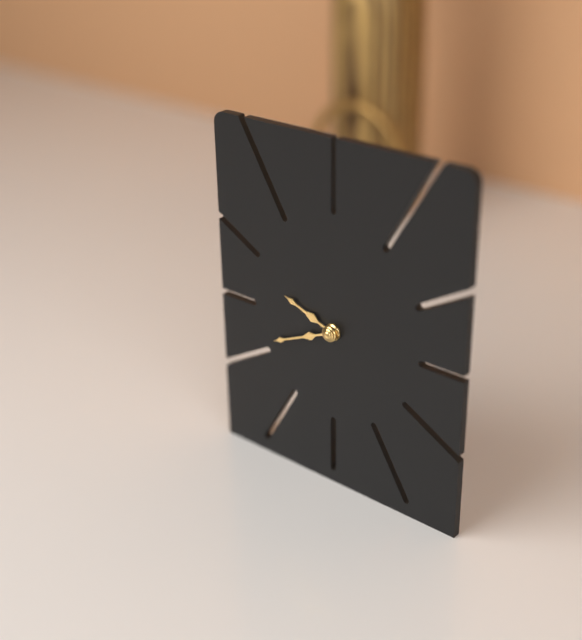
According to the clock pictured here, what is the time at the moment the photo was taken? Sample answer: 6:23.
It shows 9:41
